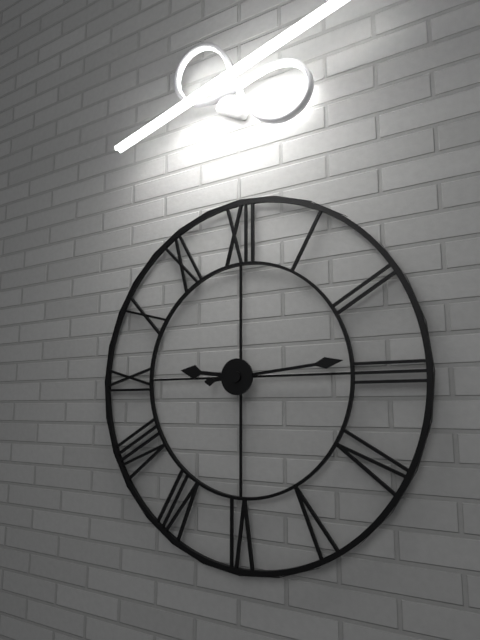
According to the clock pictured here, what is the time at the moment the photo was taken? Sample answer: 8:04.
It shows 9:14
